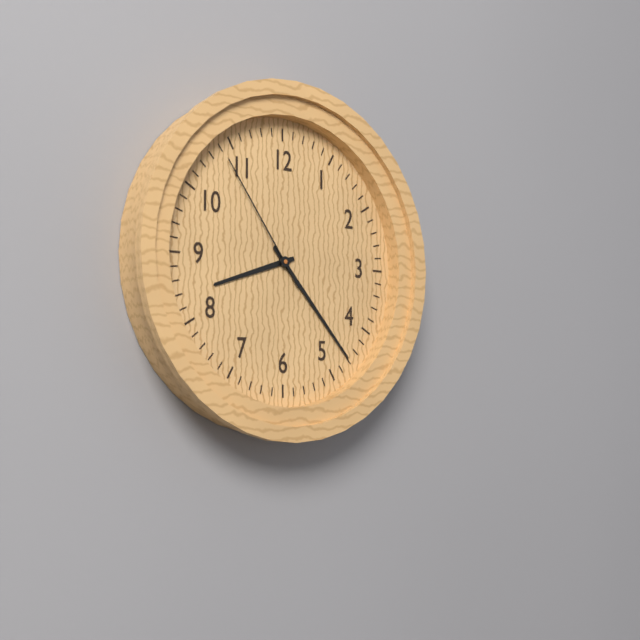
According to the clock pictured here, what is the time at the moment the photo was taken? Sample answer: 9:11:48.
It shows 8:23:54
